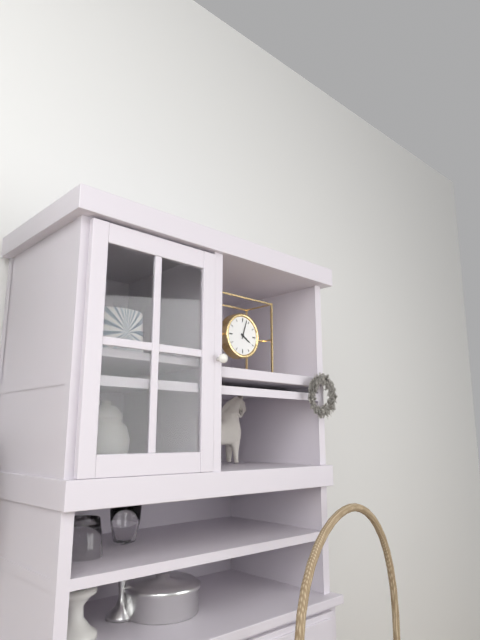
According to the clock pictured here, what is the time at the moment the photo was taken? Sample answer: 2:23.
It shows 4:03
